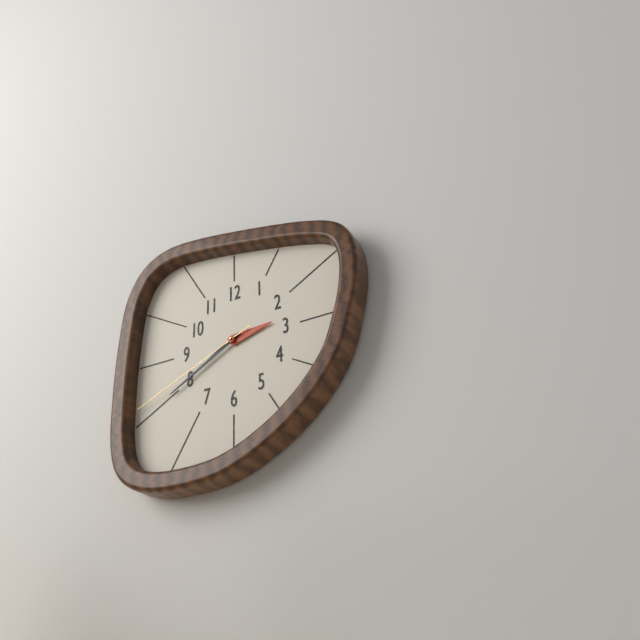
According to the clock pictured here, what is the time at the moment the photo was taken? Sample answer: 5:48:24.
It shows 2:40:41
